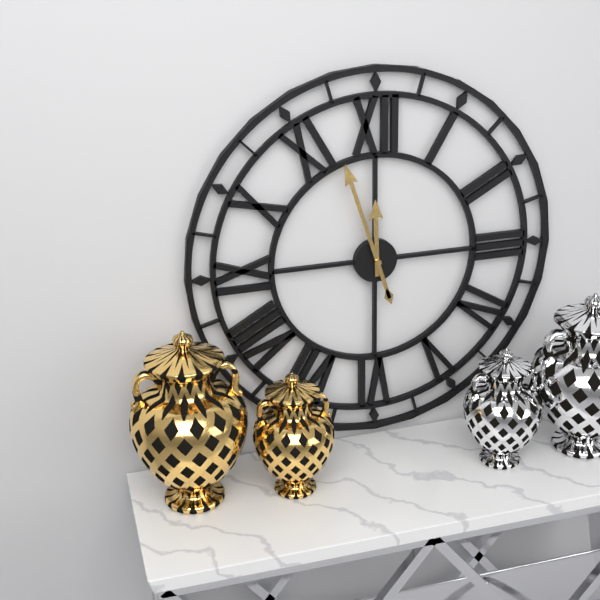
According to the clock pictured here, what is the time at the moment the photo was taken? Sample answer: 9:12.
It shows 11:57
